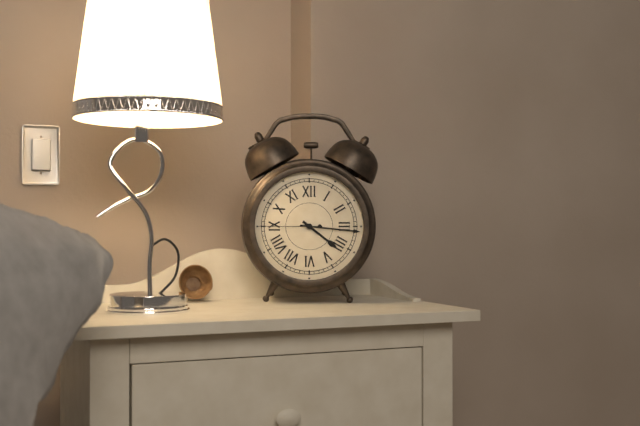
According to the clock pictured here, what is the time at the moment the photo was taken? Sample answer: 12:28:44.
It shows 4:16:45
